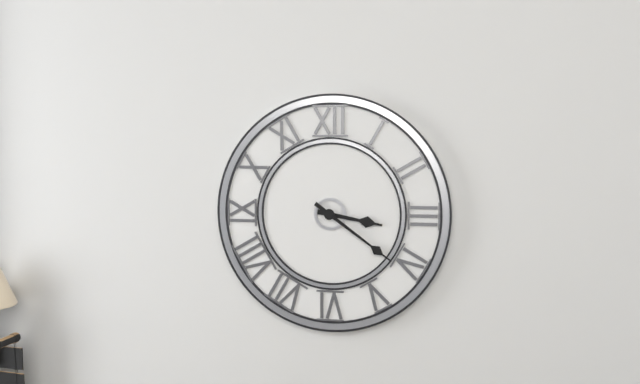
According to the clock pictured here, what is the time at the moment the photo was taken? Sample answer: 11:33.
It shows 3:21
